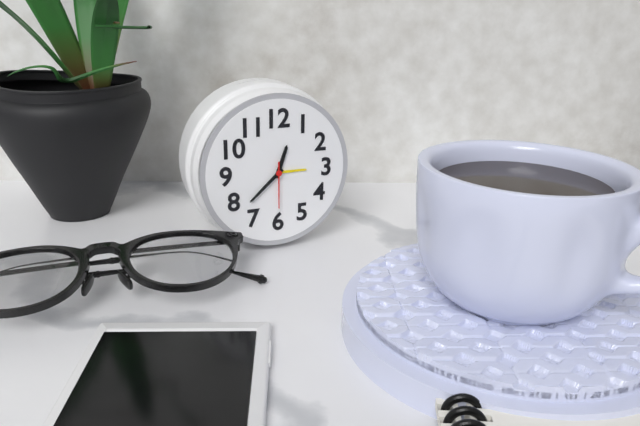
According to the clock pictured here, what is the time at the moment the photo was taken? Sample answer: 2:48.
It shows 12:38
